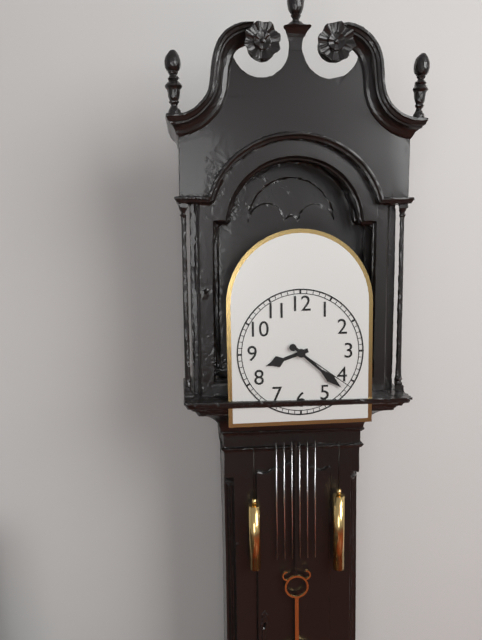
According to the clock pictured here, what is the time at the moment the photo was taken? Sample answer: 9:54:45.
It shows 8:22:21
